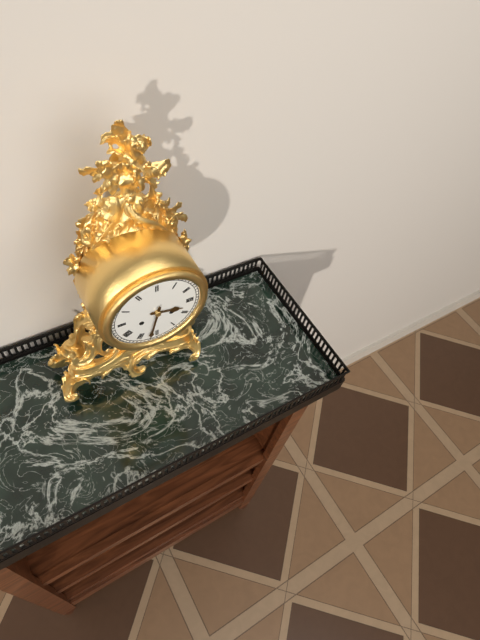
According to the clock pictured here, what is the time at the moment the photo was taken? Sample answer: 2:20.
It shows 3:32
